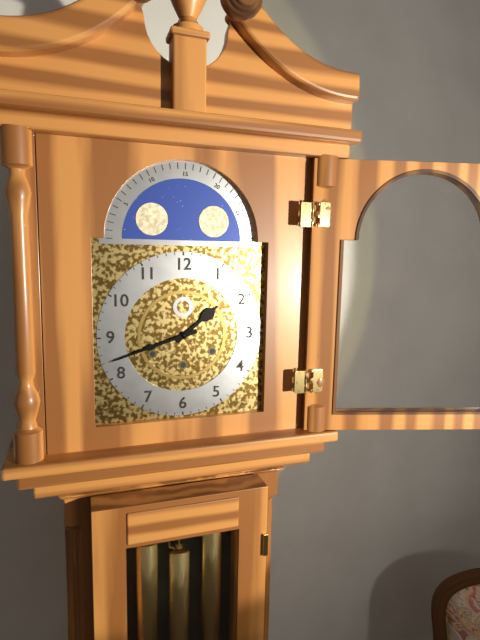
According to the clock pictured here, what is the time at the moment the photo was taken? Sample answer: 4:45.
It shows 1:42
